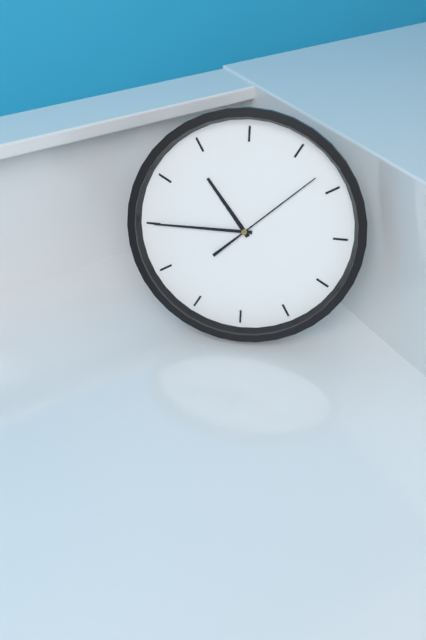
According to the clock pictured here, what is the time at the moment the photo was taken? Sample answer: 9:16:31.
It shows 10:45:08
